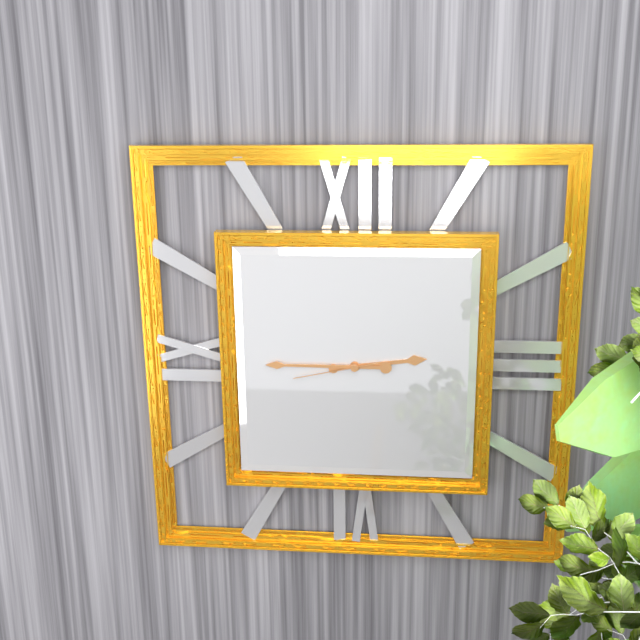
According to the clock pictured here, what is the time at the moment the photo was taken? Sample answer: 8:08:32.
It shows 2:45:43
